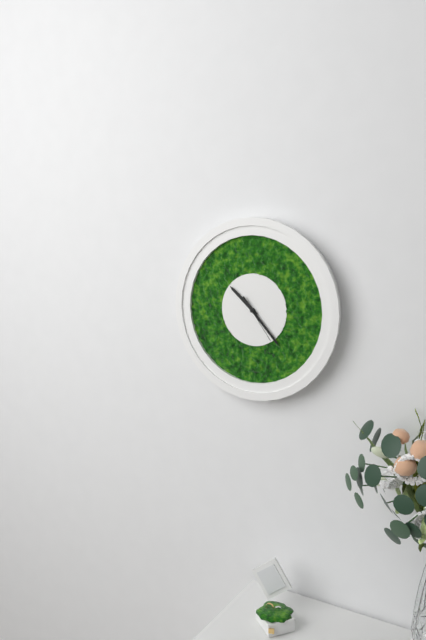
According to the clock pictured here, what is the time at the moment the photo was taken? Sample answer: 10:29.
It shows 10:23
